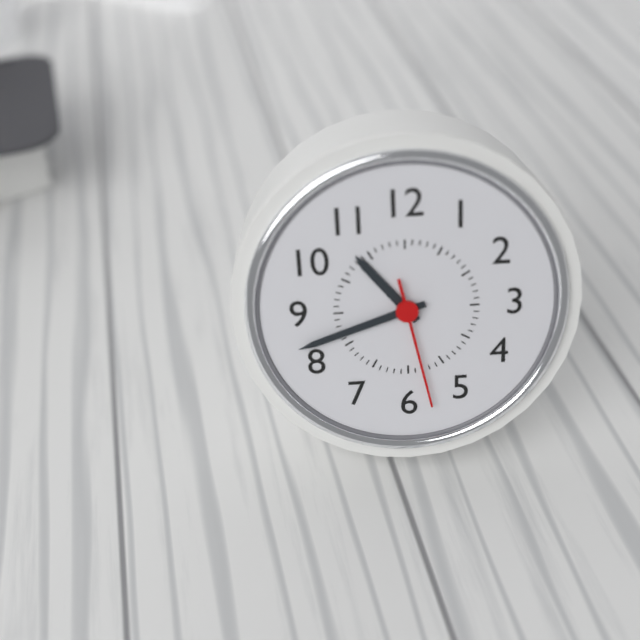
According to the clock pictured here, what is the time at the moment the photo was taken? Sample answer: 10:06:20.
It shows 10:42:28
